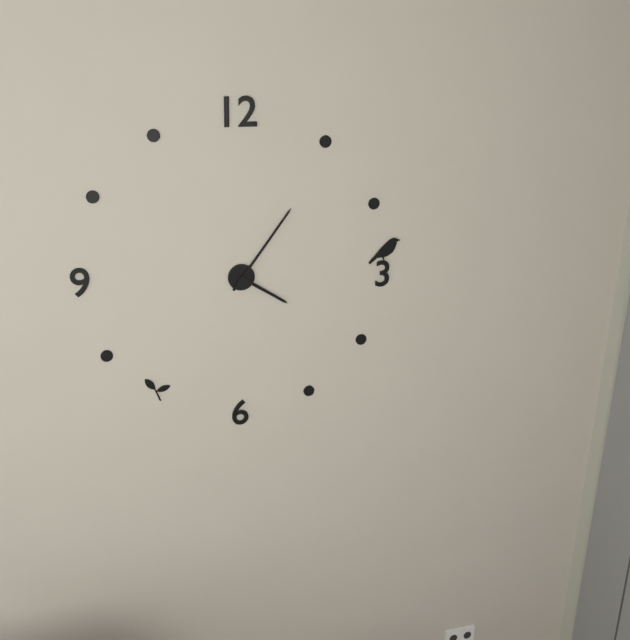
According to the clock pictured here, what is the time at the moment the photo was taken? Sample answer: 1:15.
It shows 4:06
